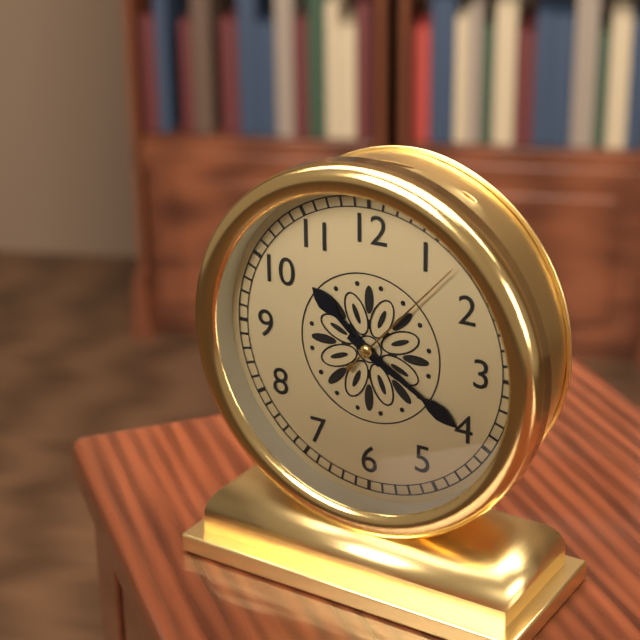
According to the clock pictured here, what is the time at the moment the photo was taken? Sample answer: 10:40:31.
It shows 10:20:07
